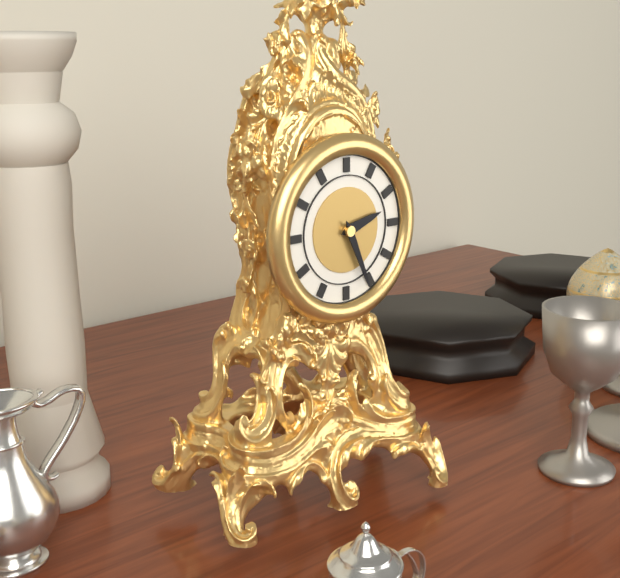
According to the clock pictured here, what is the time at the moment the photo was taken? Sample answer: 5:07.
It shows 2:26
